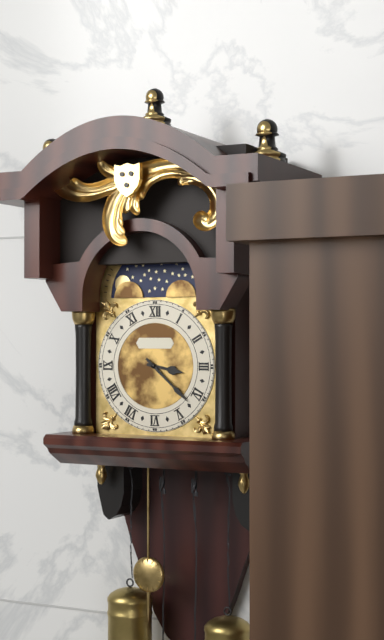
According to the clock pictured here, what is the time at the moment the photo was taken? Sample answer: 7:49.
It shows 3:22
